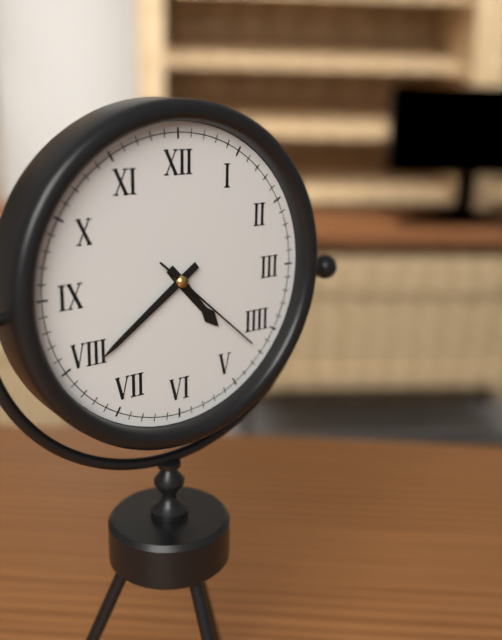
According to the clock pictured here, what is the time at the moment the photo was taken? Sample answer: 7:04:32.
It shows 4:39:22
